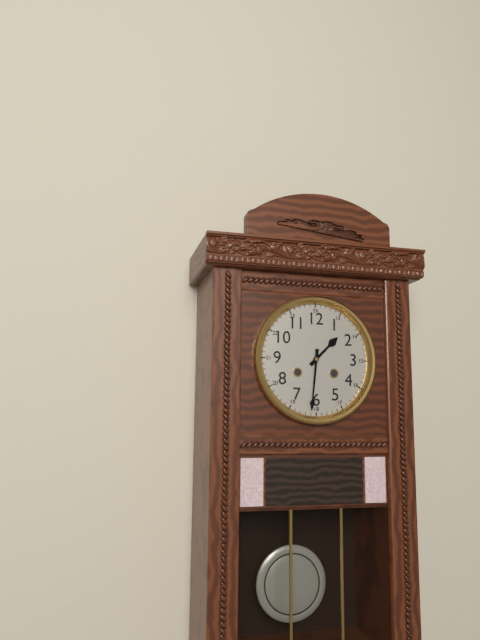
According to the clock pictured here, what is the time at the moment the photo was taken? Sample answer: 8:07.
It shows 1:31
